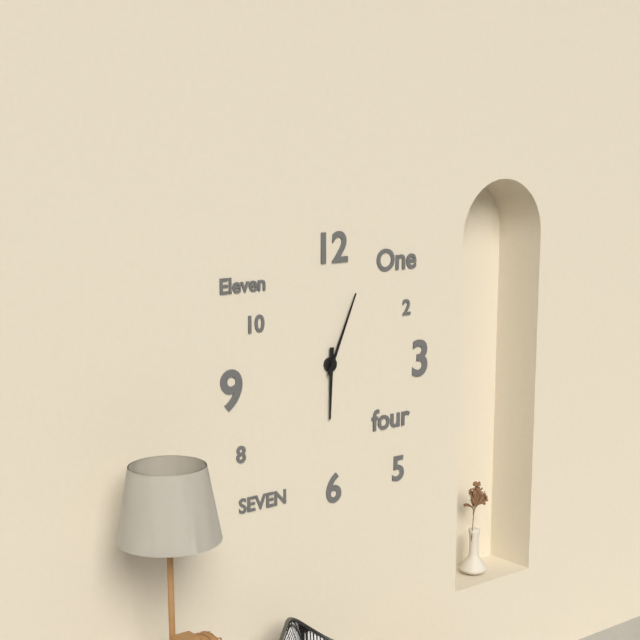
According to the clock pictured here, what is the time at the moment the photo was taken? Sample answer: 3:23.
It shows 6:04
